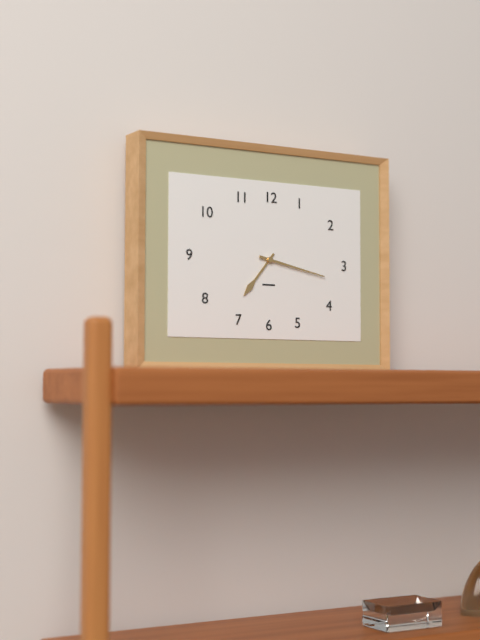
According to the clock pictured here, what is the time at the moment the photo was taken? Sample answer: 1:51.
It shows 7:17
